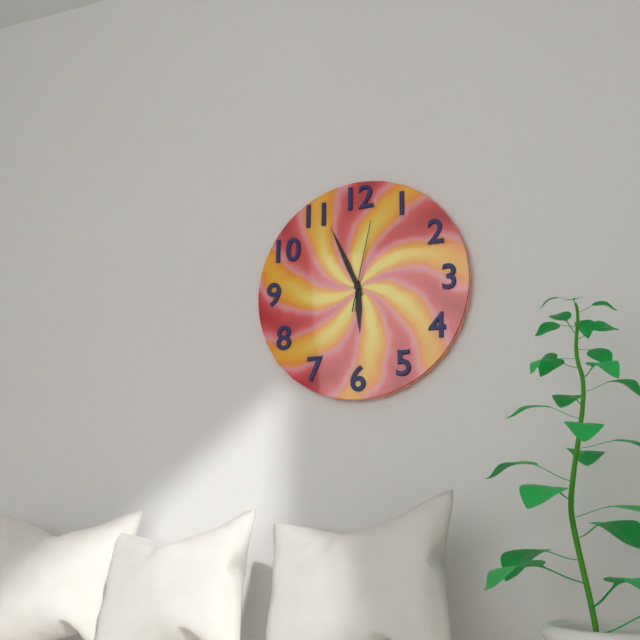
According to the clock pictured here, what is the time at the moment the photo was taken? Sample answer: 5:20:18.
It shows 5:56:02
